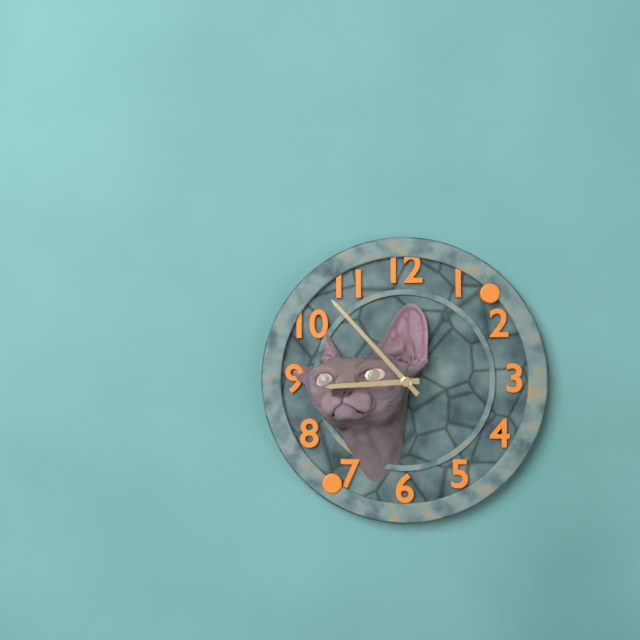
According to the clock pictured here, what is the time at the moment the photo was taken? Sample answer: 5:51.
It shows 8:53
